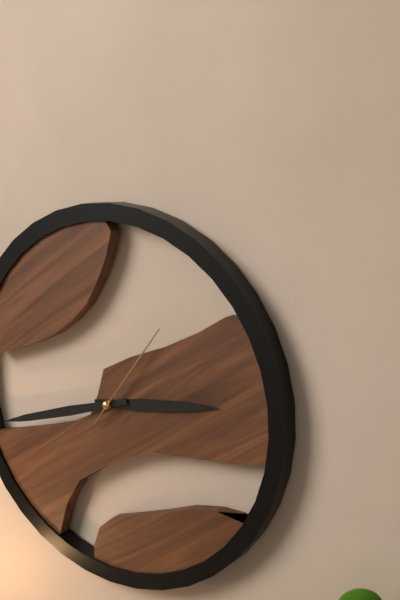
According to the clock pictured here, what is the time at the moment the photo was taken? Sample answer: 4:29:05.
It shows 2:42:06
